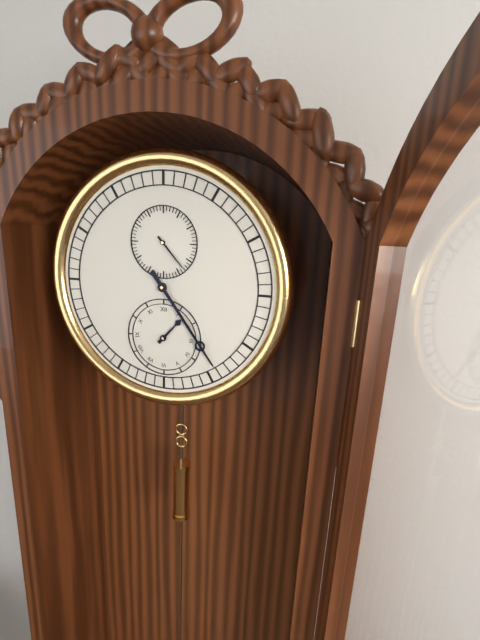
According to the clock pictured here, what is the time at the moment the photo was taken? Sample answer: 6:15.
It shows 1:24
